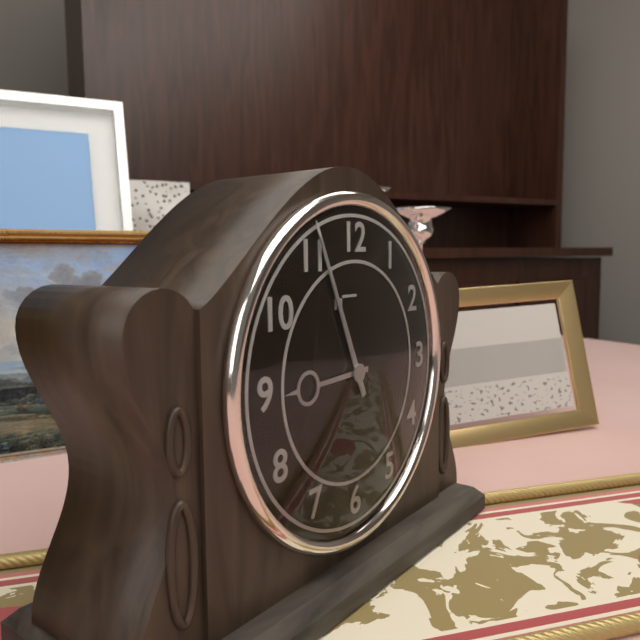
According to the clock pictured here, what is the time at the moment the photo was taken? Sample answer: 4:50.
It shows 8:56
